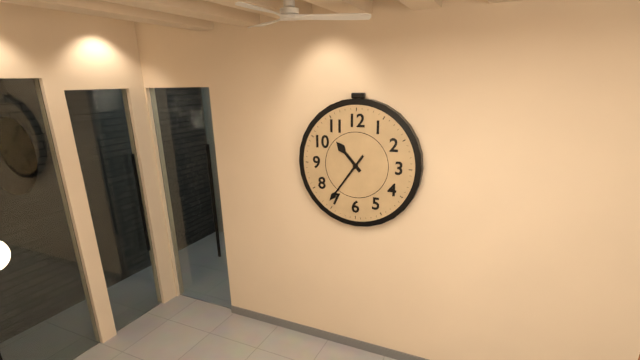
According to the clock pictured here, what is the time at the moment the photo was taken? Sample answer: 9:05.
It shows 10:36
